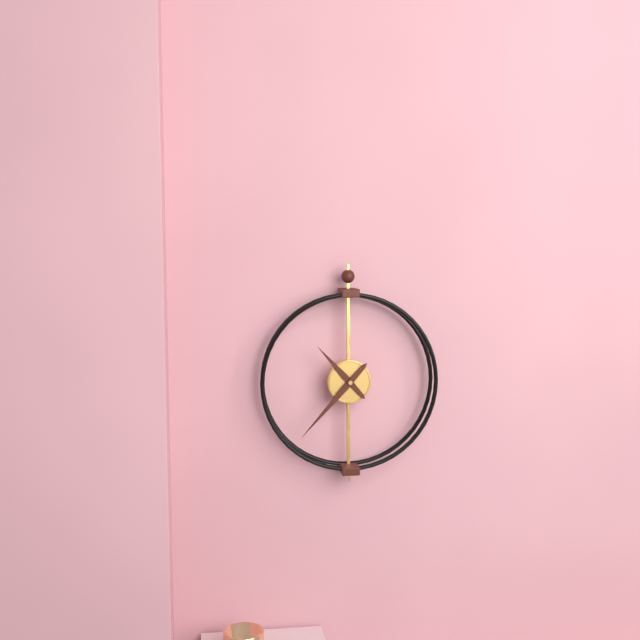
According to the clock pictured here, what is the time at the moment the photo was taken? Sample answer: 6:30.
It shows 10:37
